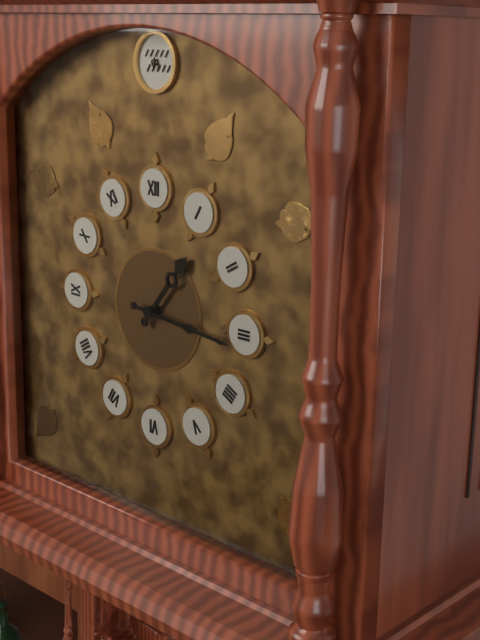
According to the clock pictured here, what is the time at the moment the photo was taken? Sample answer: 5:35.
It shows 1:16
